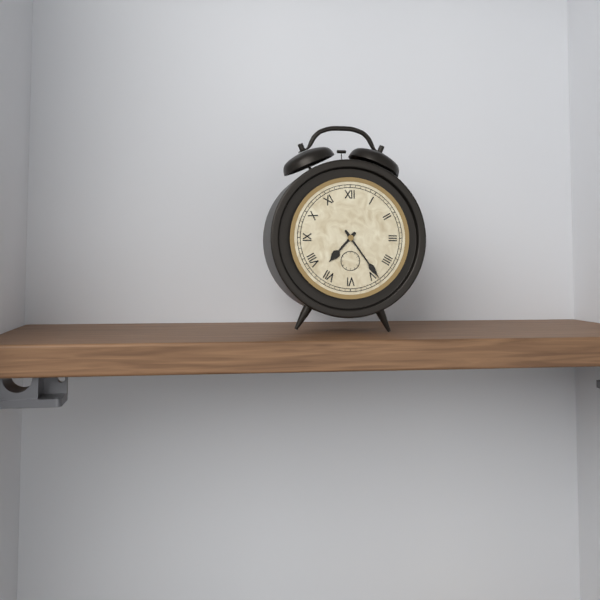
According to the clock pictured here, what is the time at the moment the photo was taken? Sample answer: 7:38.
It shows 7:24
